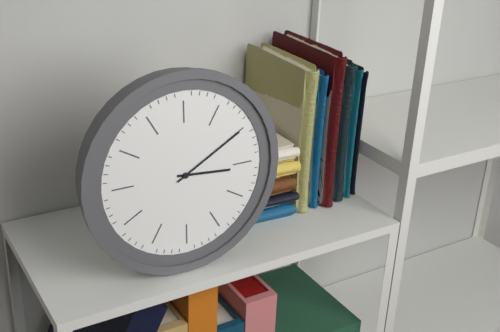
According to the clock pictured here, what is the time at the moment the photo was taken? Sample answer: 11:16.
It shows 3:10
